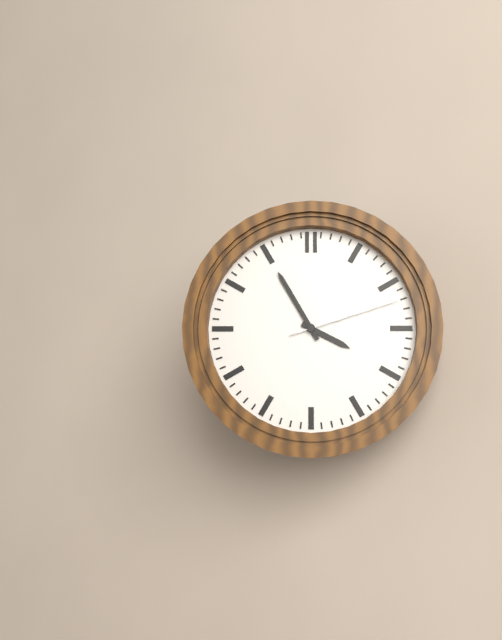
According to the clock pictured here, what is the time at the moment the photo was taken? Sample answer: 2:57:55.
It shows 3:55:12
